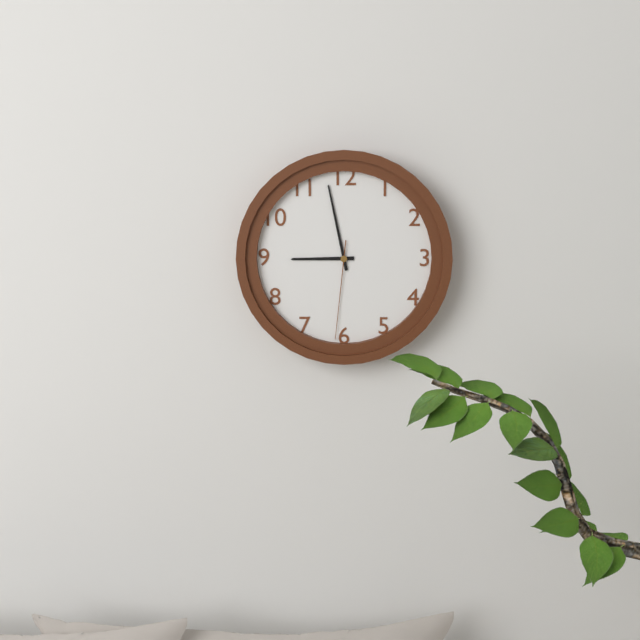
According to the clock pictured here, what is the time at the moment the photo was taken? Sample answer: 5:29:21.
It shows 8:58:31
